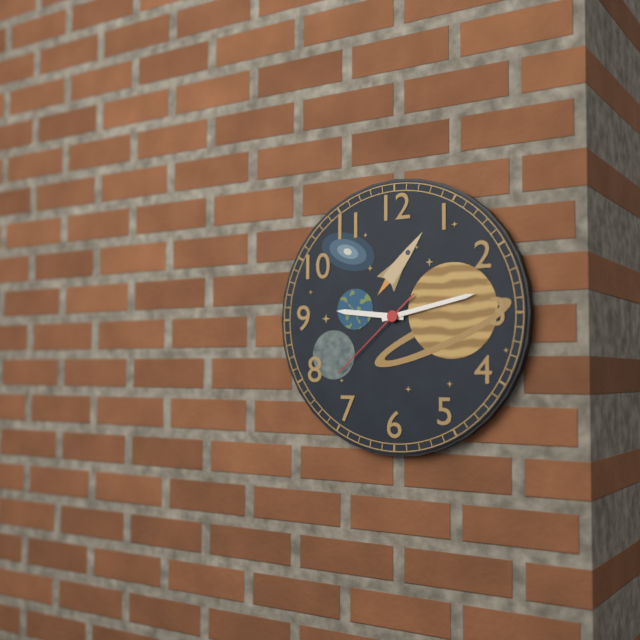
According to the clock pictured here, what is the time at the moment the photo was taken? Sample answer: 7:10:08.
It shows 9:13:38
